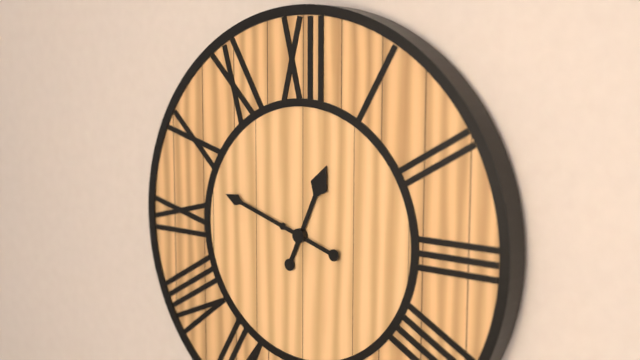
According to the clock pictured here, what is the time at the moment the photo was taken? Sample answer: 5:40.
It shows 12:48
